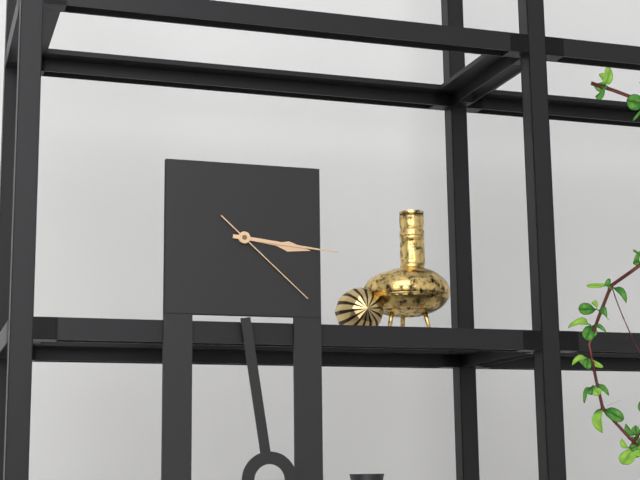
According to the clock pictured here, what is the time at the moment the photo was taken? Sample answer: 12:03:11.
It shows 3:16:22
